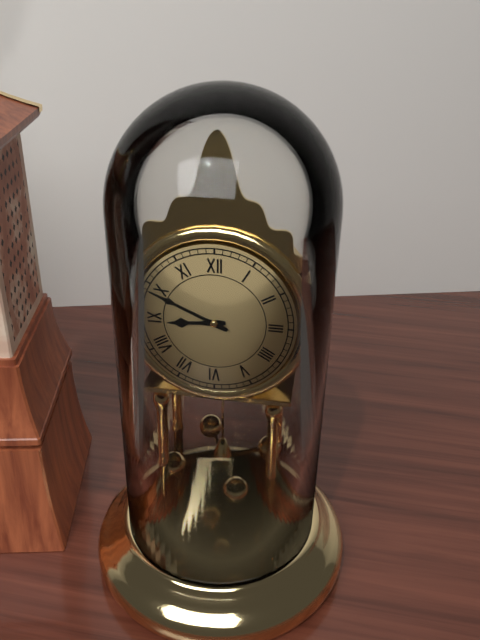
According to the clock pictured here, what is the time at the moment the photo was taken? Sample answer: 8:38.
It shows 8:49
